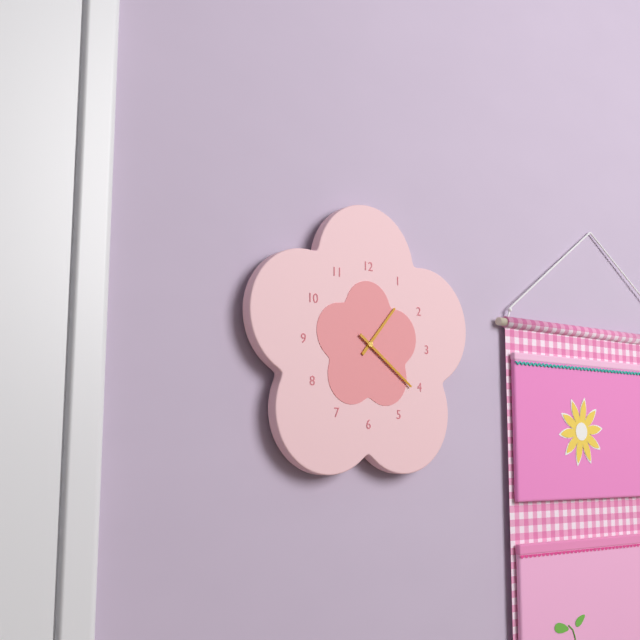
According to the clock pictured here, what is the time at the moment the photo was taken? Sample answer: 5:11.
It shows 1:21
